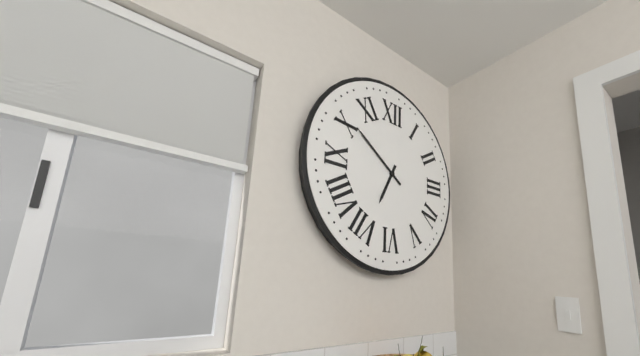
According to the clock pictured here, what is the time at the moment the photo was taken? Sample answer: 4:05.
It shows 6:51
